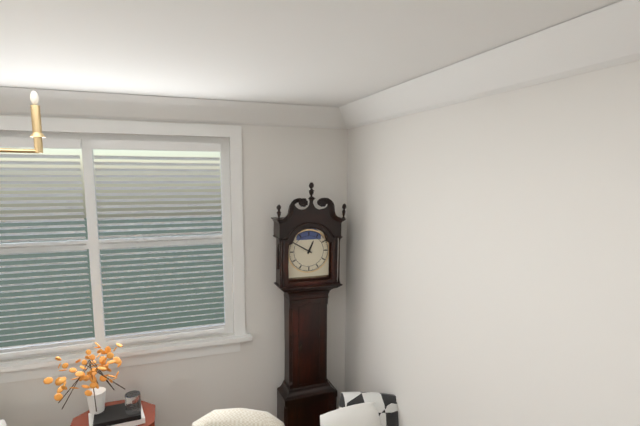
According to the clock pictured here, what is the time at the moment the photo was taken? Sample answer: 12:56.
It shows 12:50
